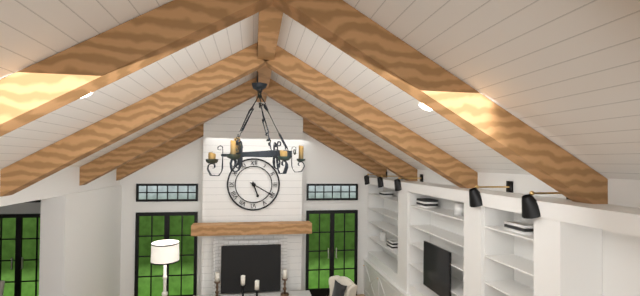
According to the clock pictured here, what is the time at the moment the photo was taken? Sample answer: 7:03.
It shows 5:20
